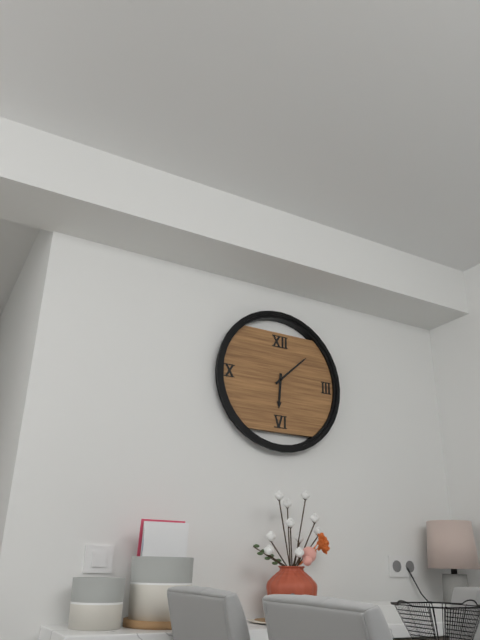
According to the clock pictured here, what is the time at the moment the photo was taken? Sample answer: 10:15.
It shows 6:08
